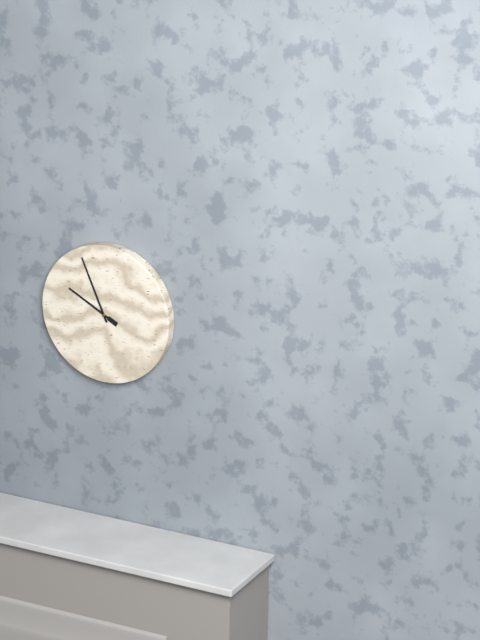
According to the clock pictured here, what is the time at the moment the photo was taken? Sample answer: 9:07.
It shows 9:56
